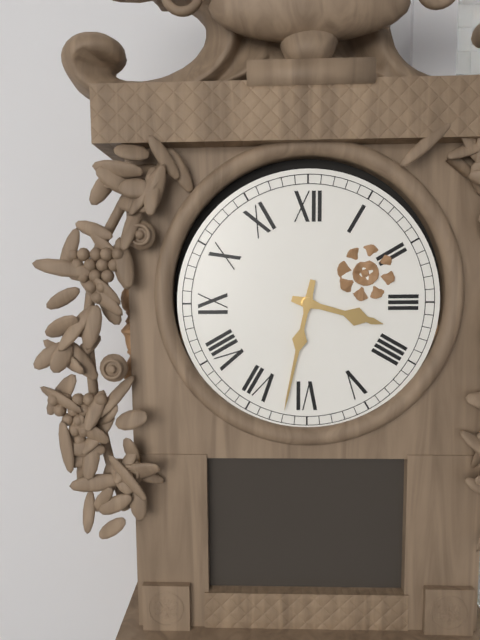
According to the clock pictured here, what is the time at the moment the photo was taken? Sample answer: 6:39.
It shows 3:32
